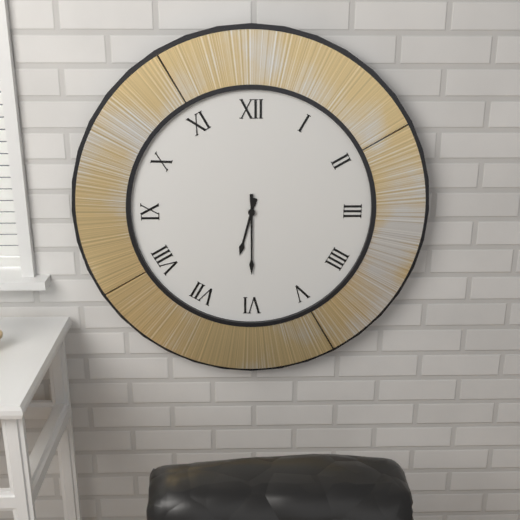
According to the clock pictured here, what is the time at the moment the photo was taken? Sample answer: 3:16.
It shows 6:30
